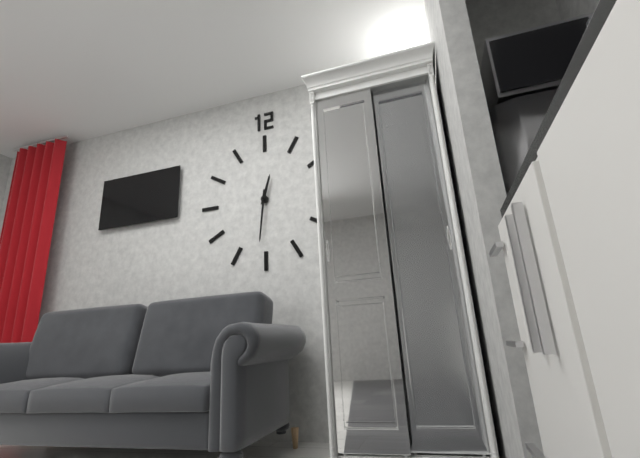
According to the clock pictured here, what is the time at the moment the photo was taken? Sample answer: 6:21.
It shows 12:31
